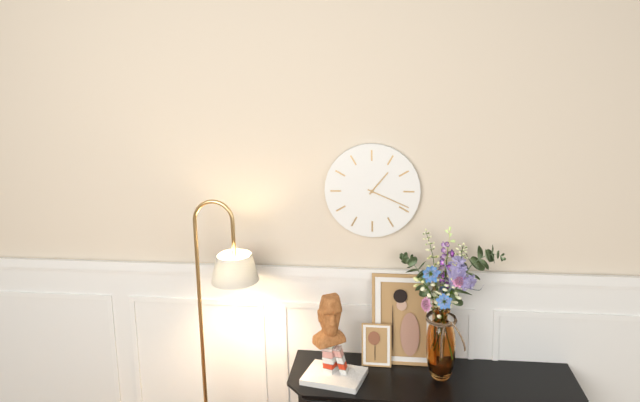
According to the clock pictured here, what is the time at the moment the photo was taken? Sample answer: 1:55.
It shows 1:19
